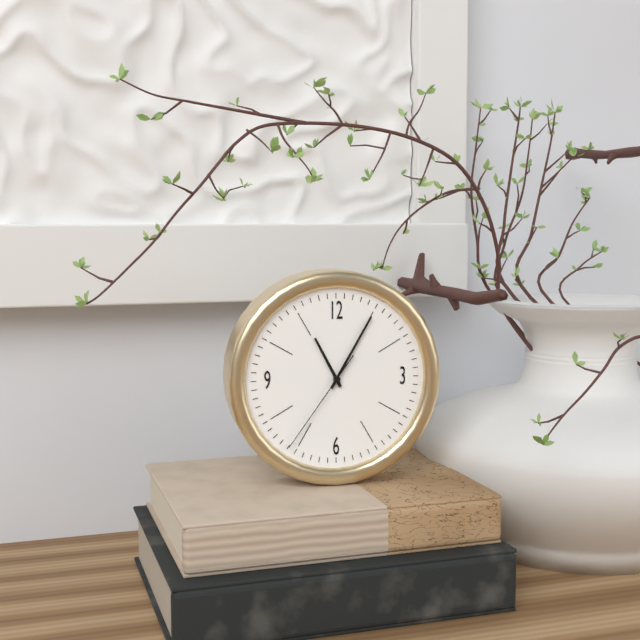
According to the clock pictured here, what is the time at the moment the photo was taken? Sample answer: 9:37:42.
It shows 11:05:36
